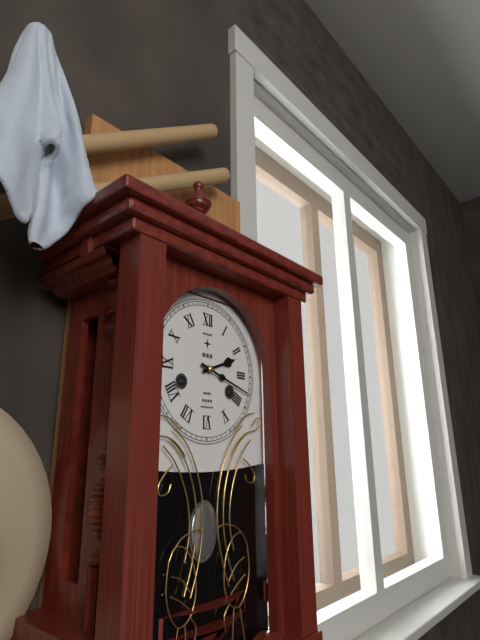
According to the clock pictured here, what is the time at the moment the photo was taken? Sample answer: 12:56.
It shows 2:18
